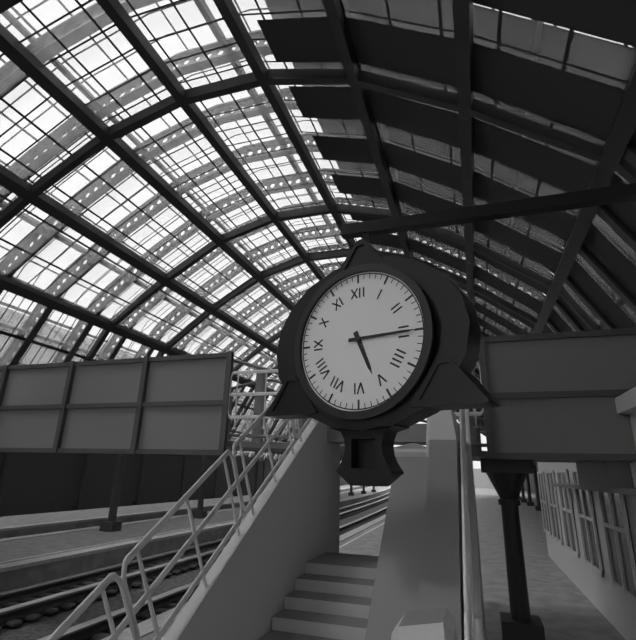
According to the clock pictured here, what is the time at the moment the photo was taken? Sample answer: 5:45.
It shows 5:15
